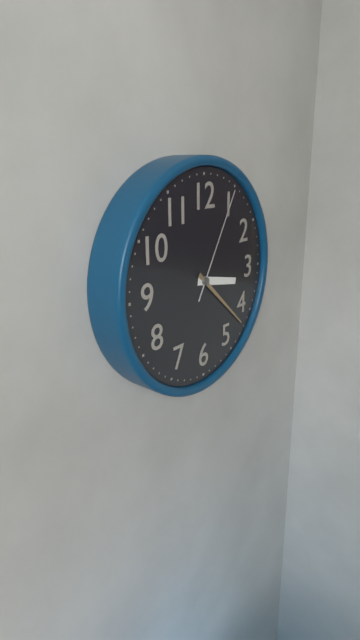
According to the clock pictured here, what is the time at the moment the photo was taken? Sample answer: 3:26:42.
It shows 3:22:05
